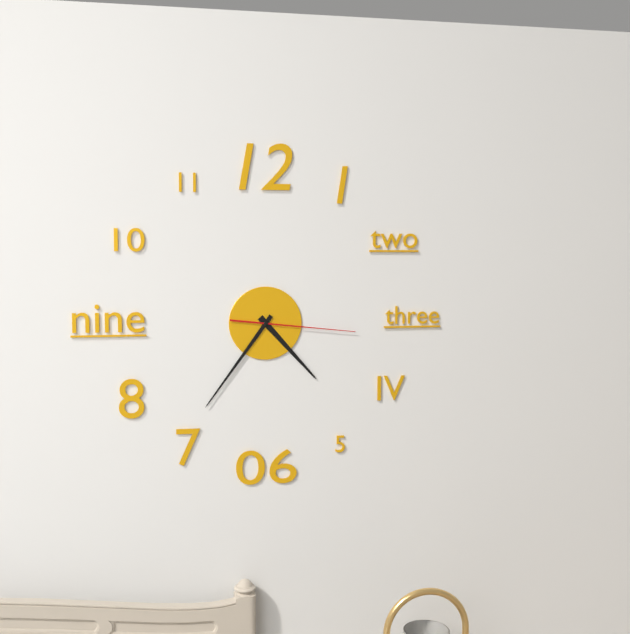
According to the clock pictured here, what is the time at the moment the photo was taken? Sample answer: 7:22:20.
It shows 4:36:16
